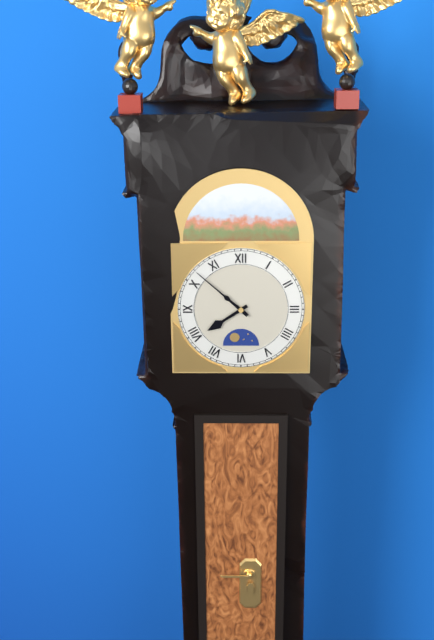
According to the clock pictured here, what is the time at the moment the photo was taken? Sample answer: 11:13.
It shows 7:52
